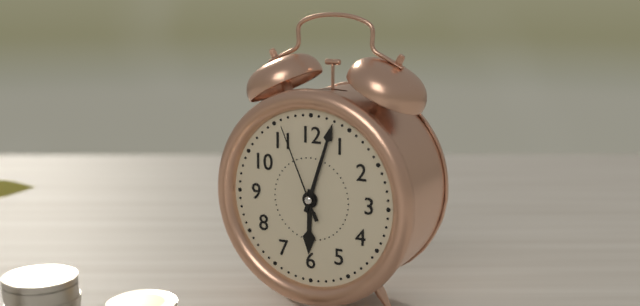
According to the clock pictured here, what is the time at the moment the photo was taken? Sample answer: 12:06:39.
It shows 6:03:56
